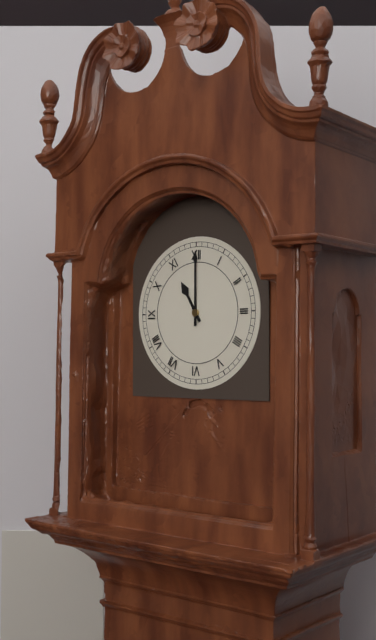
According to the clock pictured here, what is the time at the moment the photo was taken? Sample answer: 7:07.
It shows 11:00
